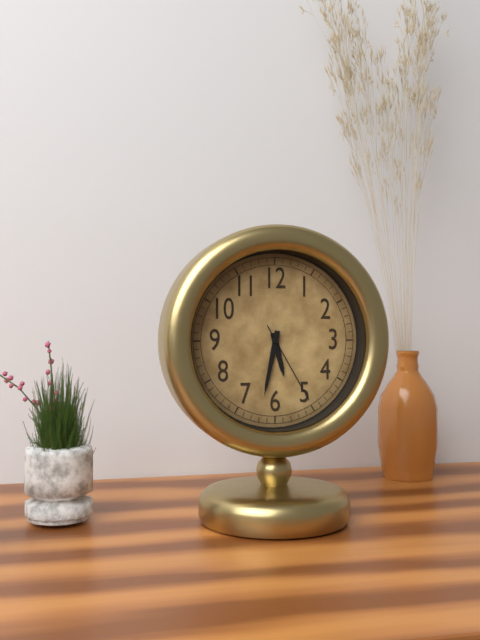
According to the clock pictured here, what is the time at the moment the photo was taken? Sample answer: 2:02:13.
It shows 5:32:25
